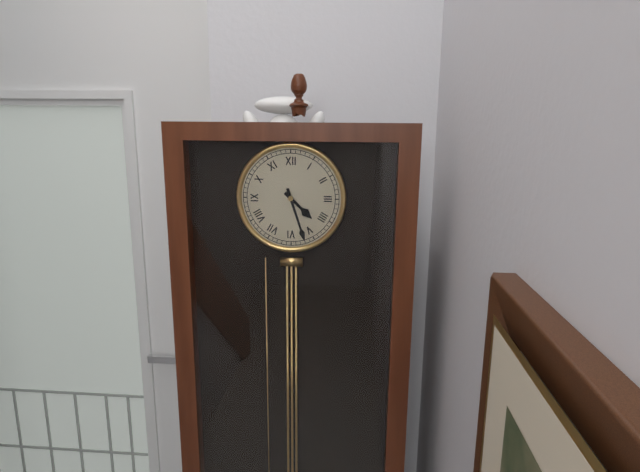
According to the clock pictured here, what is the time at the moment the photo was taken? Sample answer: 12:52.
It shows 4:27
